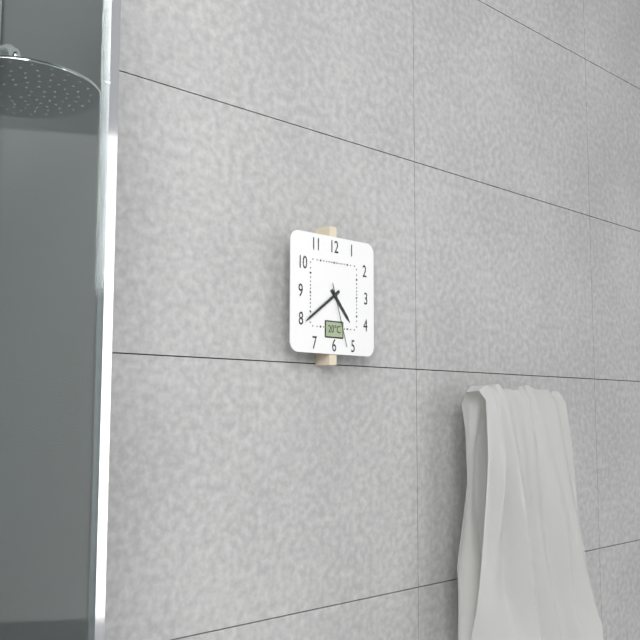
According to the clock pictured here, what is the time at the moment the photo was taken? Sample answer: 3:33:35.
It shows 4:39:27
